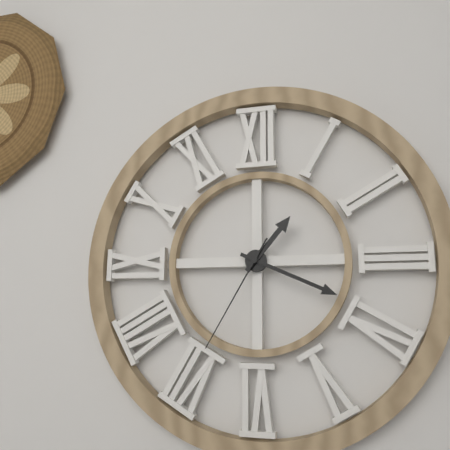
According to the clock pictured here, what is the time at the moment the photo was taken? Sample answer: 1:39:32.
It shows 1:19:35
